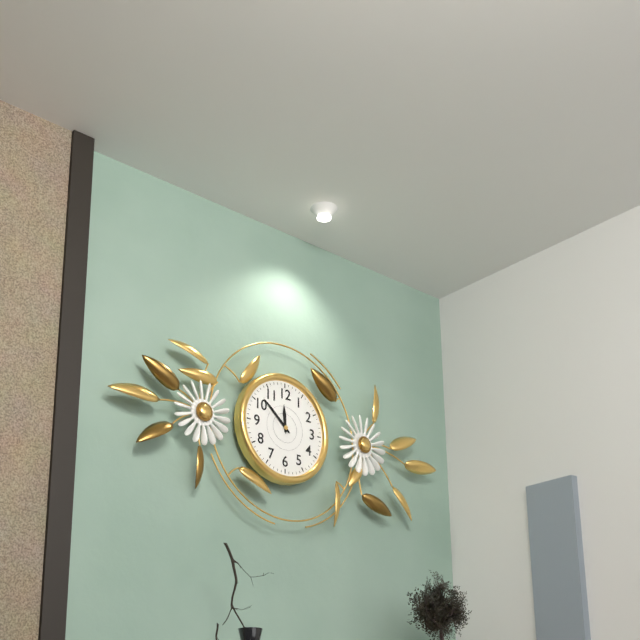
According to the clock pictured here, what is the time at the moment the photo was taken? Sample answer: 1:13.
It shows 11:52
